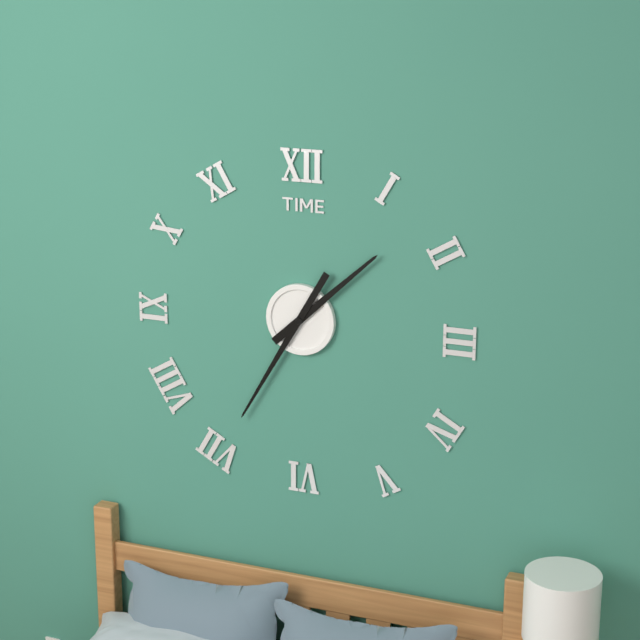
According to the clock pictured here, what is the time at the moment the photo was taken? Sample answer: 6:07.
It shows 1:35
